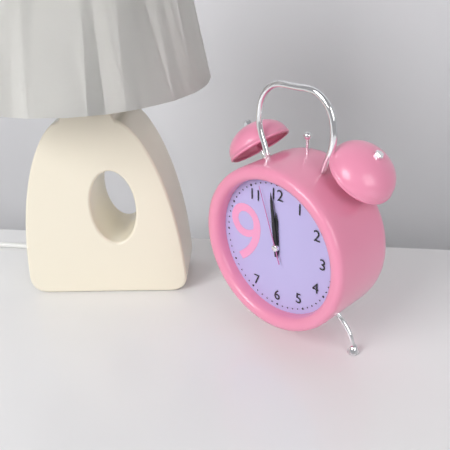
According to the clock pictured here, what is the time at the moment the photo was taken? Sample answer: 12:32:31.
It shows 11:59:57
